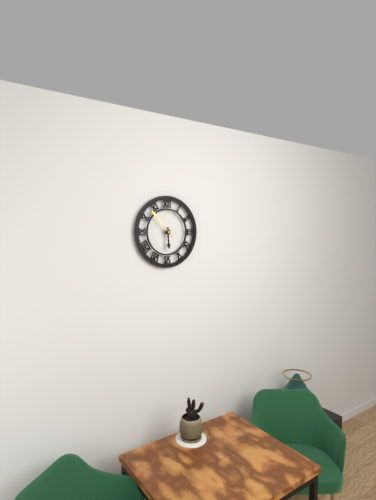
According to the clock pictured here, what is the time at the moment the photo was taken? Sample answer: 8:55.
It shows 5:53
